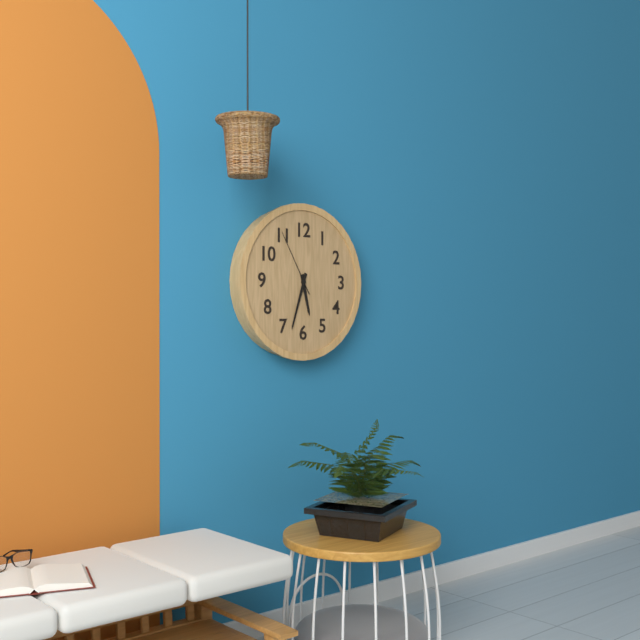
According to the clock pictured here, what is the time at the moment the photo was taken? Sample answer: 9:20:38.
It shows 5:33:55
